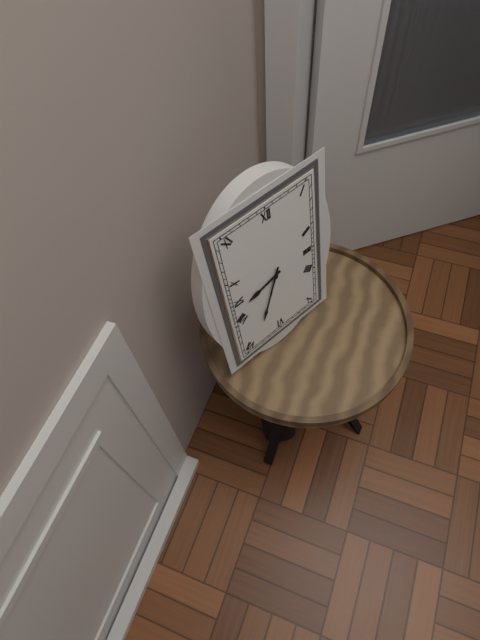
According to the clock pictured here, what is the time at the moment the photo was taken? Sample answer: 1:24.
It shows 8:34
